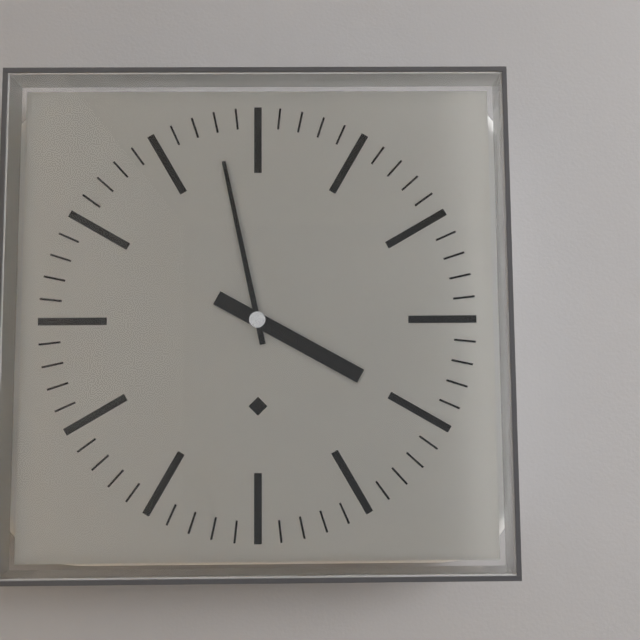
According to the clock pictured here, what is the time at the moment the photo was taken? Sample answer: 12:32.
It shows 3:58
